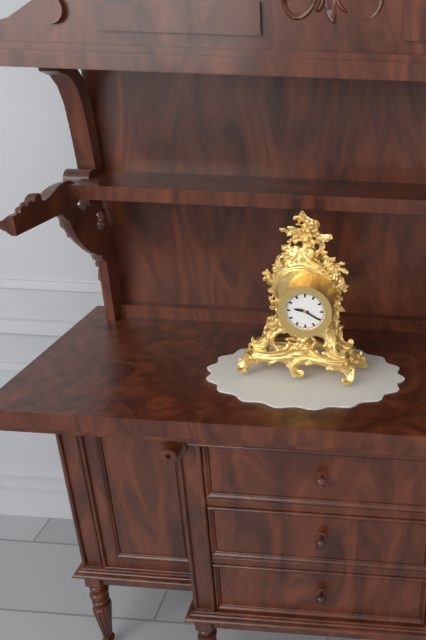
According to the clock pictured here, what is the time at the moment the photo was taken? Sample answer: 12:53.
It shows 9:20
